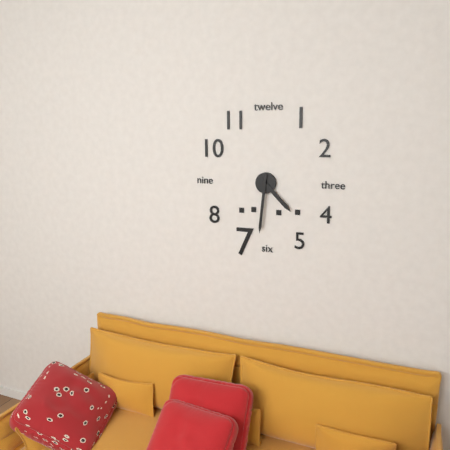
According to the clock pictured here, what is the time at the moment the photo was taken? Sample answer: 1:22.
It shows 4:31
